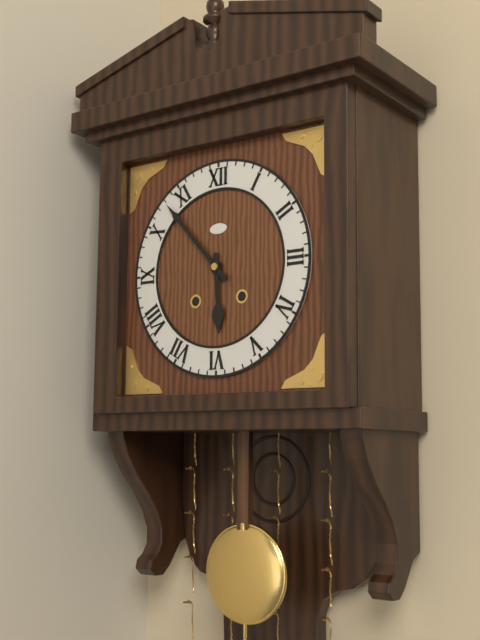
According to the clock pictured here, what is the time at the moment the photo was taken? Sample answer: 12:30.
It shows 5:53
